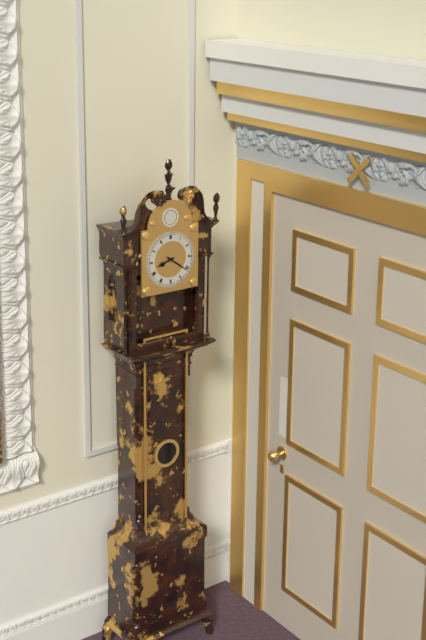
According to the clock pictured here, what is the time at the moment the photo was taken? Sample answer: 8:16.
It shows 8:21
